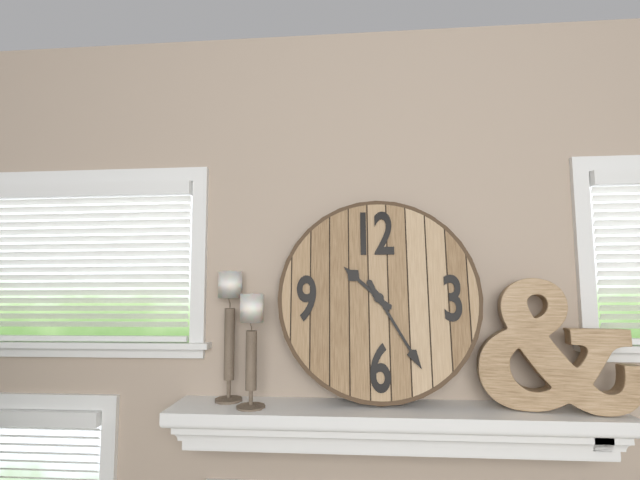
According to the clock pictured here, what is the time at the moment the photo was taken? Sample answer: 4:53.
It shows 10:25
